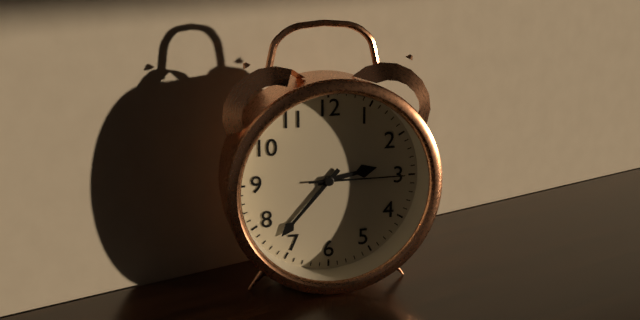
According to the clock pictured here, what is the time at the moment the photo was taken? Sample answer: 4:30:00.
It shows 2:37:15
